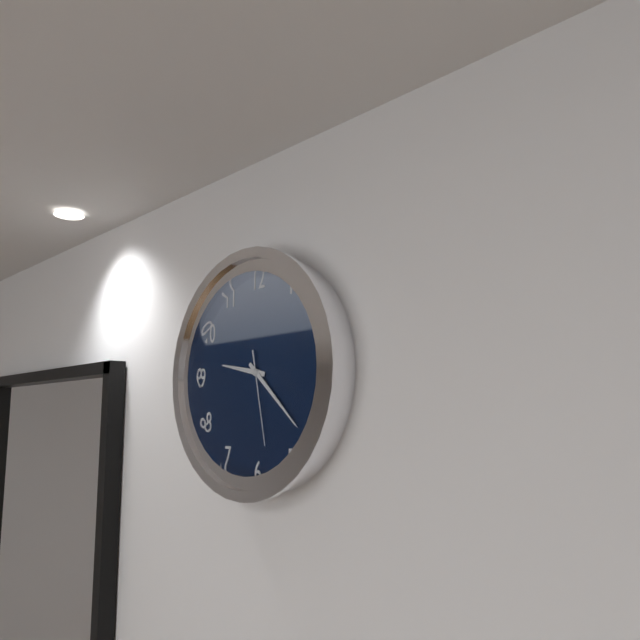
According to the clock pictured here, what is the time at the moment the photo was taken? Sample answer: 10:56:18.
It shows 9:22:28
